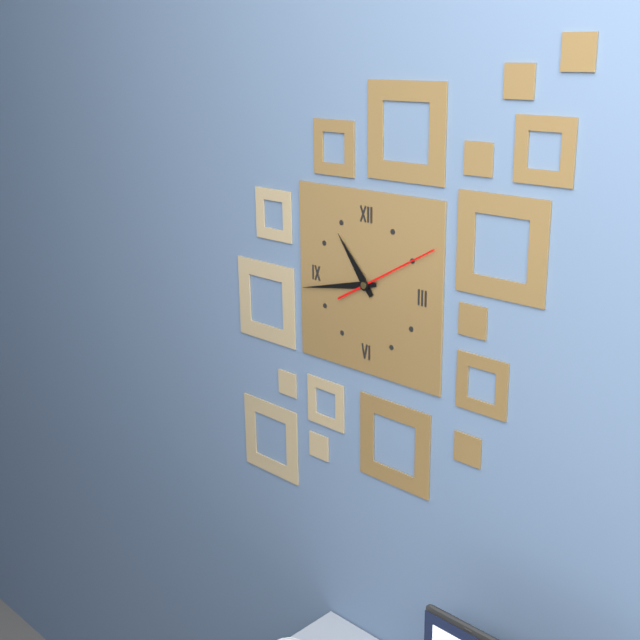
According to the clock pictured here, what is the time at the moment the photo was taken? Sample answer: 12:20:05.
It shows 10:43:10
